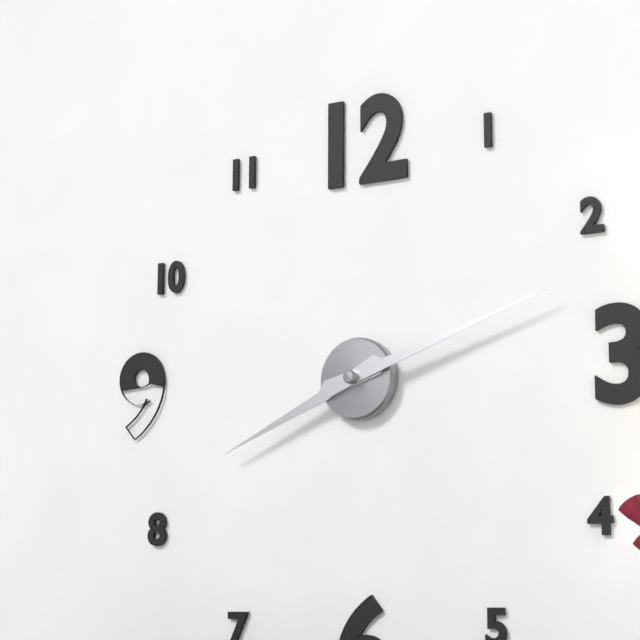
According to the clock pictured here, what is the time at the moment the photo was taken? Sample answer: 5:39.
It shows 8:12
